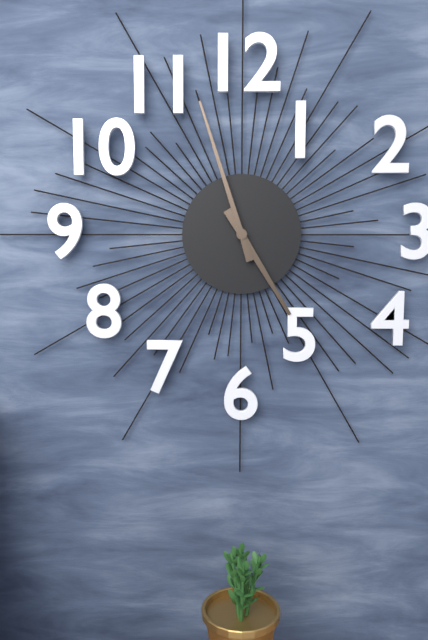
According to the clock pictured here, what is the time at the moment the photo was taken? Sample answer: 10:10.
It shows 4:57
